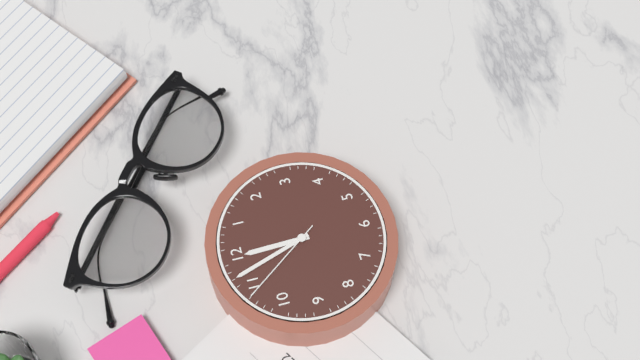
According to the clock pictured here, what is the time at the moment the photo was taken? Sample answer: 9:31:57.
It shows 11:57:54
